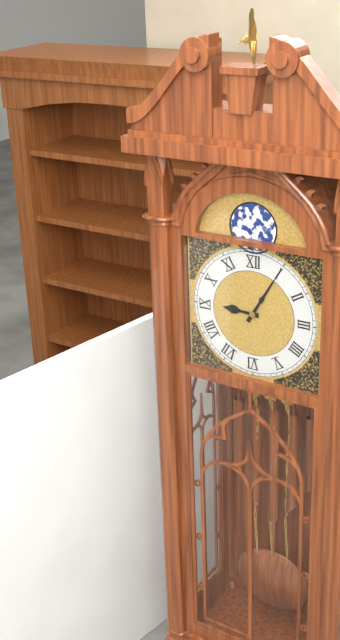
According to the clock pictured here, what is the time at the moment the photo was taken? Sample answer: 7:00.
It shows 9:05
